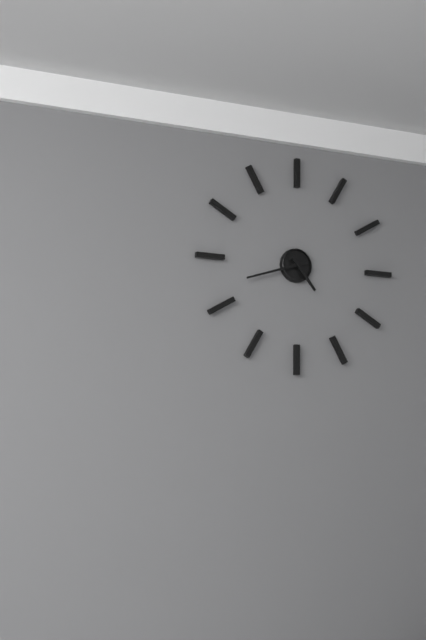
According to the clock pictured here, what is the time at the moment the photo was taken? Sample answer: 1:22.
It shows 4:42
